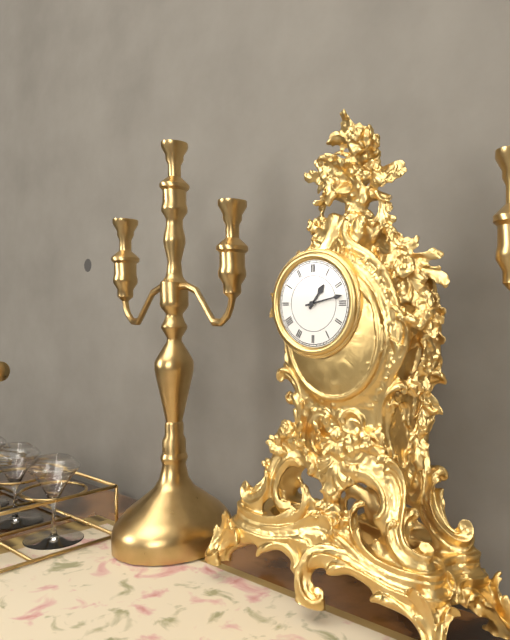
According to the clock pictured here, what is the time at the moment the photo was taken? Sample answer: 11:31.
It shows 1:13
